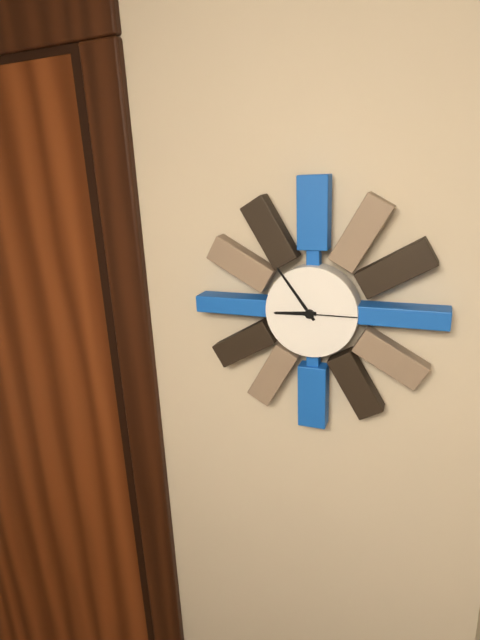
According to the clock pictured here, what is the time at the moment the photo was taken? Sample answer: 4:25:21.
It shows 8:54:15
